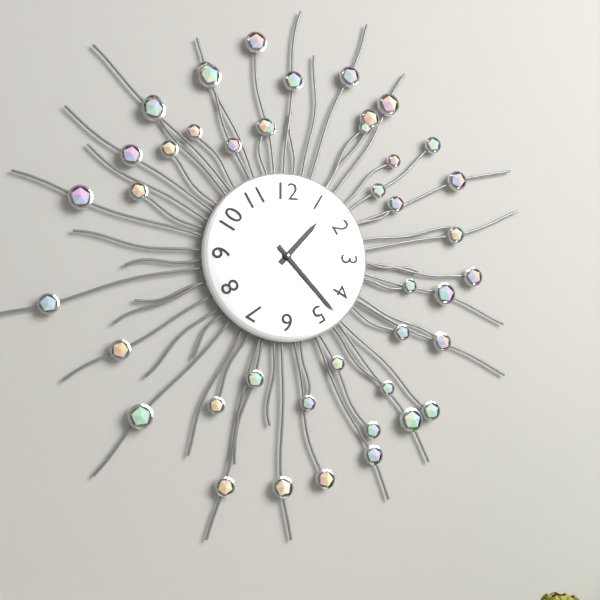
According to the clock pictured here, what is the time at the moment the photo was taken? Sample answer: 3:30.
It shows 1:23
